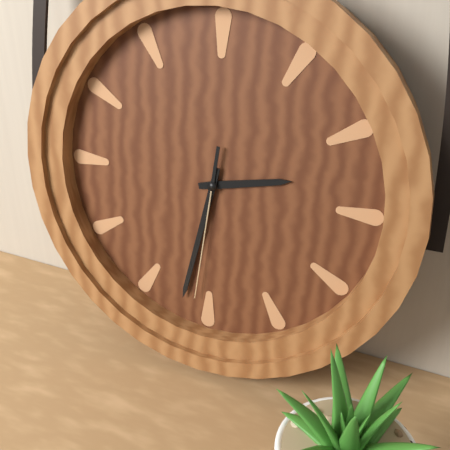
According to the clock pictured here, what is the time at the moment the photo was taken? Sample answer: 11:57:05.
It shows 2:32:31
